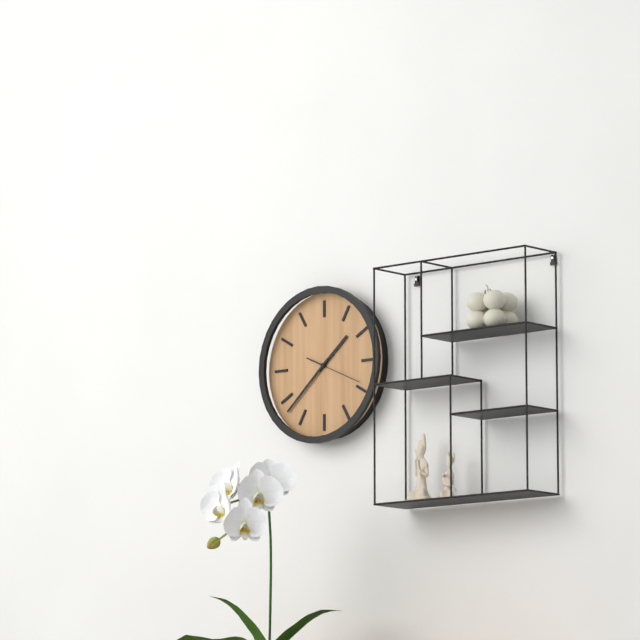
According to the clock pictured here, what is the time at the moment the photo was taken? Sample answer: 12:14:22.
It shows 1:38:19
